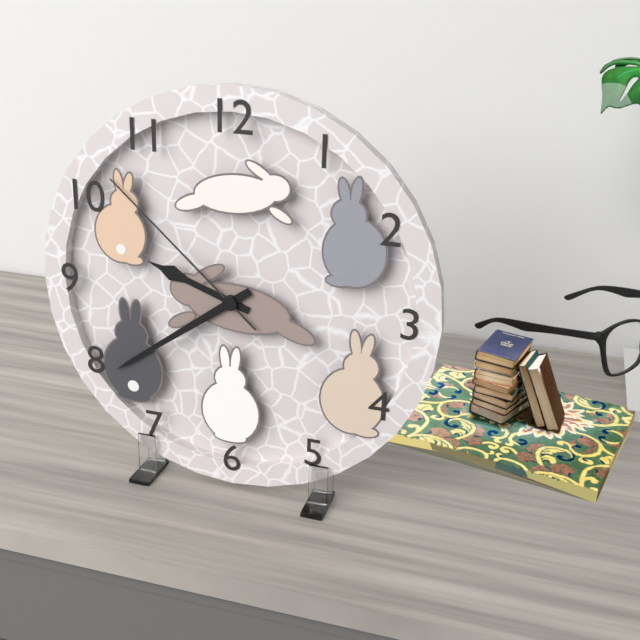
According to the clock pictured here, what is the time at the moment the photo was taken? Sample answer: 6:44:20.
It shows 9:39:52
